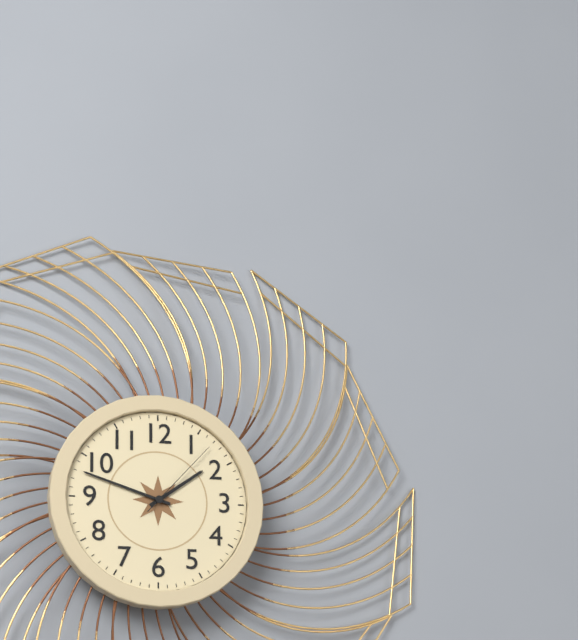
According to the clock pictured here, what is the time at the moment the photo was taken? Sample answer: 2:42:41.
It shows 1:48:07
